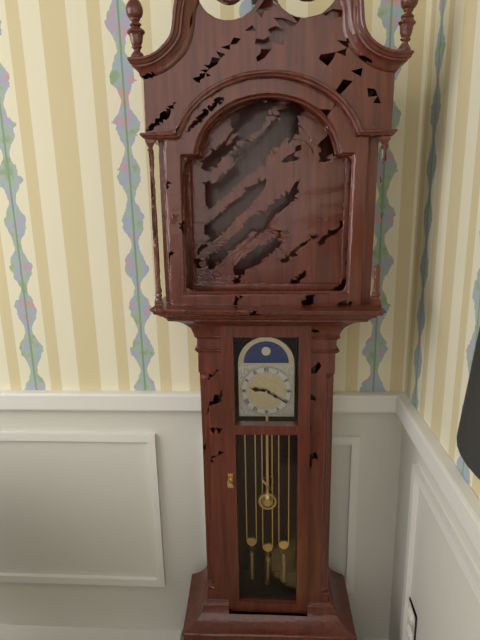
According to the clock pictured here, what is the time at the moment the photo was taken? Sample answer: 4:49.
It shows 9:20
